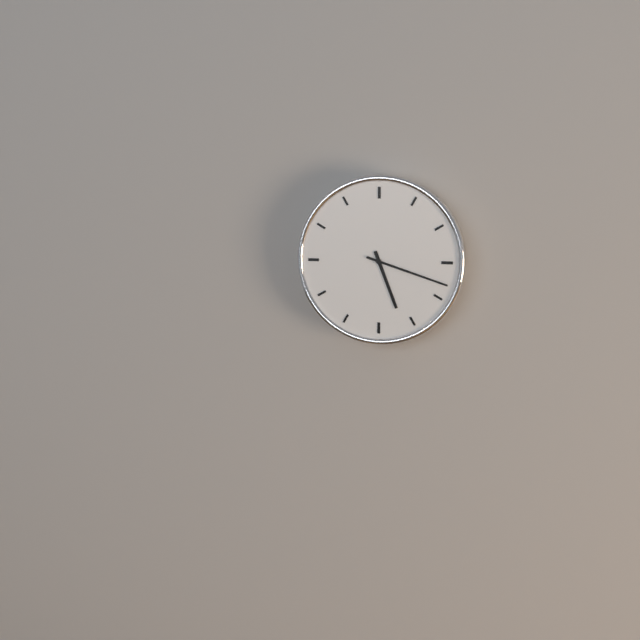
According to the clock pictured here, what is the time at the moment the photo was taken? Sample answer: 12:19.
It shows 5:18
